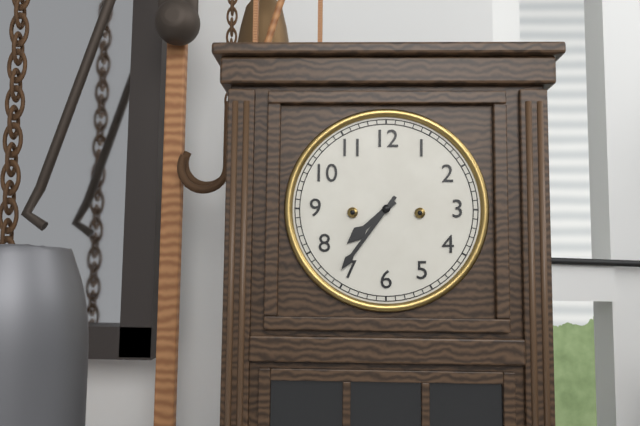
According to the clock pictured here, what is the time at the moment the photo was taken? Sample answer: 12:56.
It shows 7:36
